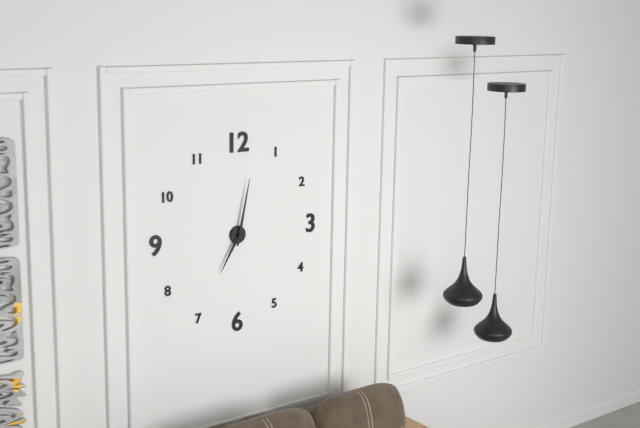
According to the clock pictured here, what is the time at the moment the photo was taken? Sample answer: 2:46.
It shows 7:02
